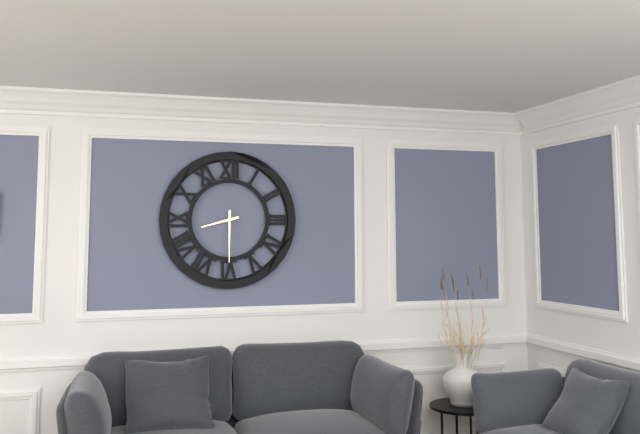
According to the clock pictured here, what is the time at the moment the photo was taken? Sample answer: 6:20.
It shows 8:30
